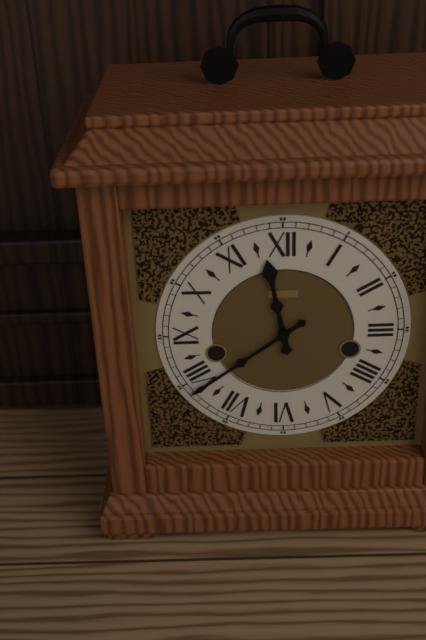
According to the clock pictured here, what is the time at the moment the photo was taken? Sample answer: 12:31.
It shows 11:39
